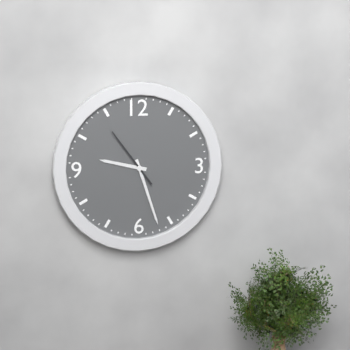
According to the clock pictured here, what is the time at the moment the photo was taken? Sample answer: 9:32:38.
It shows 9:27:54
